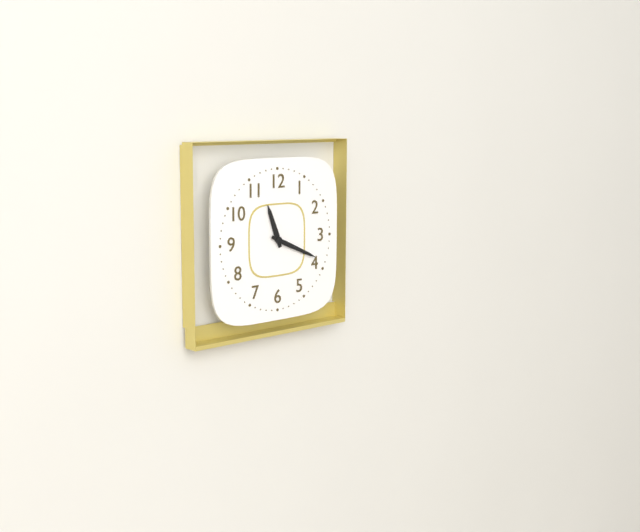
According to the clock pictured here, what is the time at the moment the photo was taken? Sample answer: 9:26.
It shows 11:19
